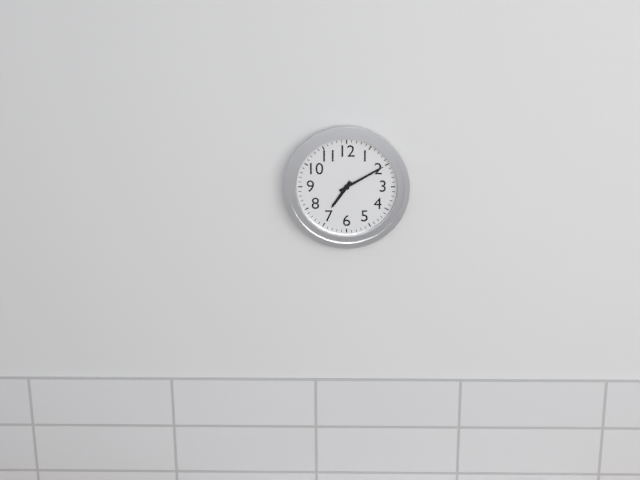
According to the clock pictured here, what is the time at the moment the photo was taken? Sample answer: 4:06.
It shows 7:10
